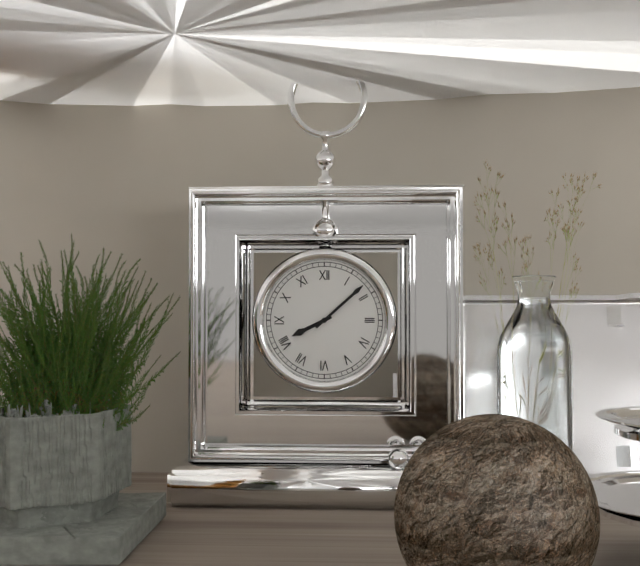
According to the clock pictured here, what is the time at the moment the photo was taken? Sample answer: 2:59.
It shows 8:08
